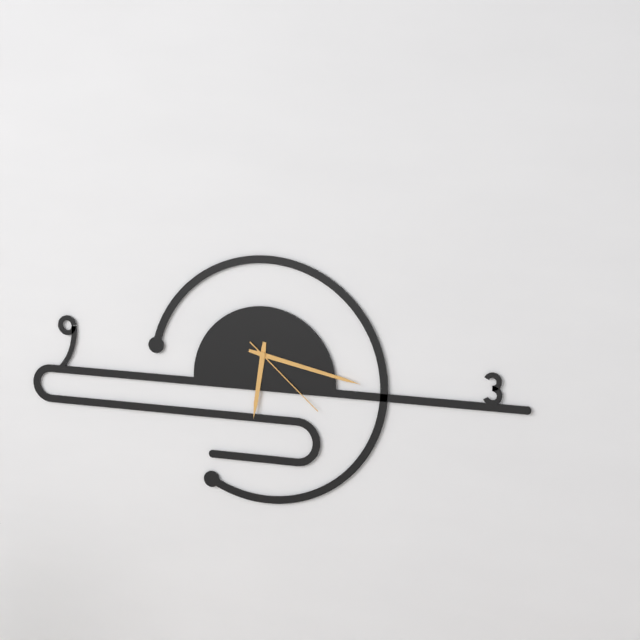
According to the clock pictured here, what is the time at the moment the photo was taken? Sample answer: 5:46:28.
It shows 6:17:22
